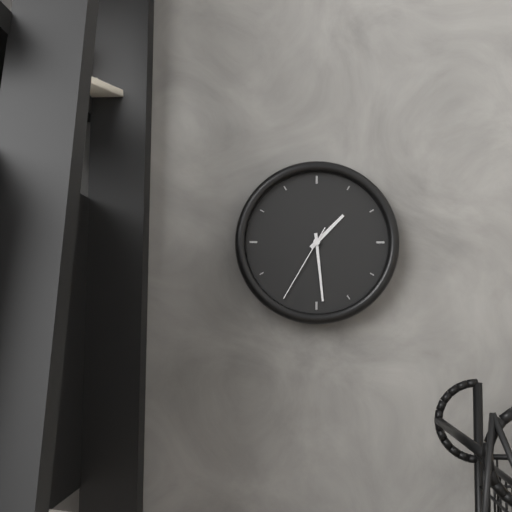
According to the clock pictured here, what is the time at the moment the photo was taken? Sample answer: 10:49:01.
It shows 1:29:35
